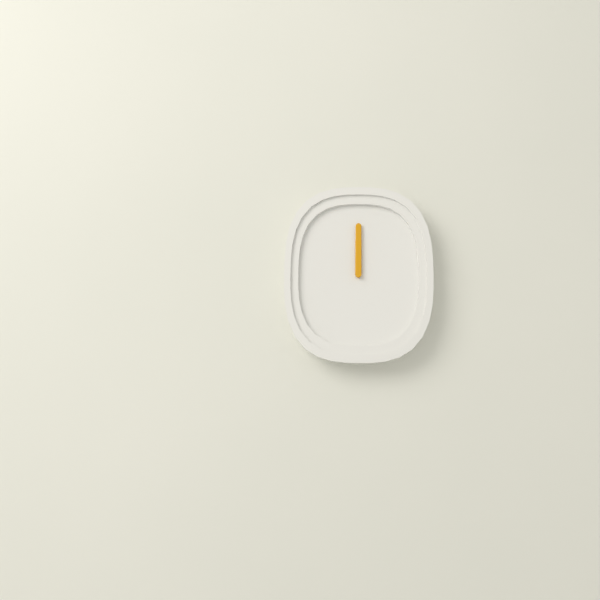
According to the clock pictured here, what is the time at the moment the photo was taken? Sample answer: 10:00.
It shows 12:00
